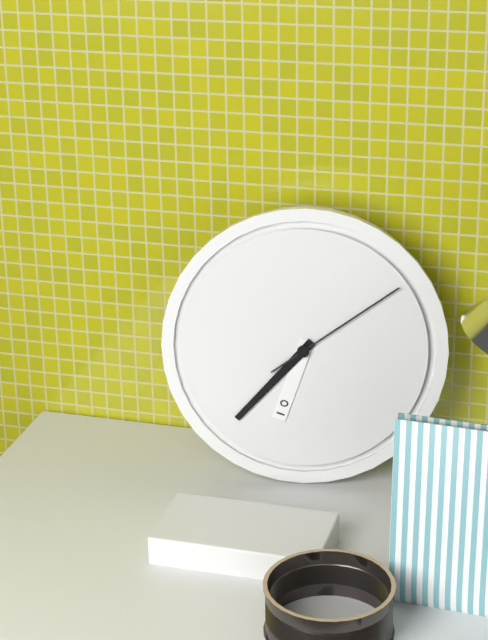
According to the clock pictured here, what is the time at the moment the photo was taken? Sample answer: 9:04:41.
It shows 6:37:09
